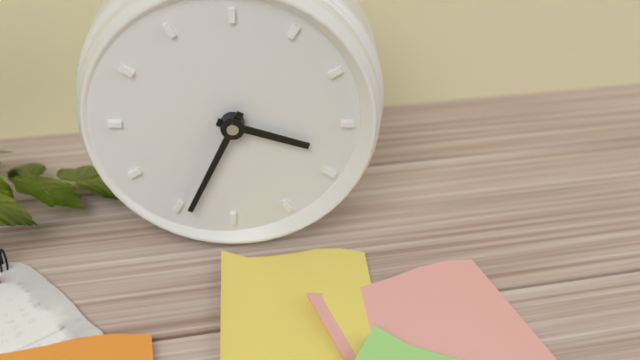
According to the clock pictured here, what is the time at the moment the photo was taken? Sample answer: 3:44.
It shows 3:34
